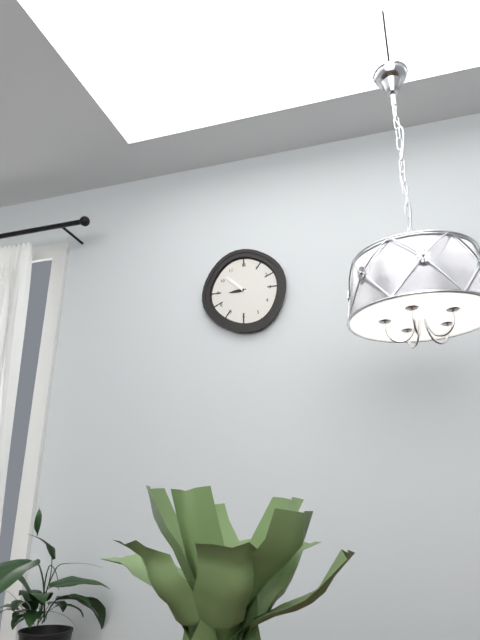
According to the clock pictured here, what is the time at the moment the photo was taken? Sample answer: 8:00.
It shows 8:52
